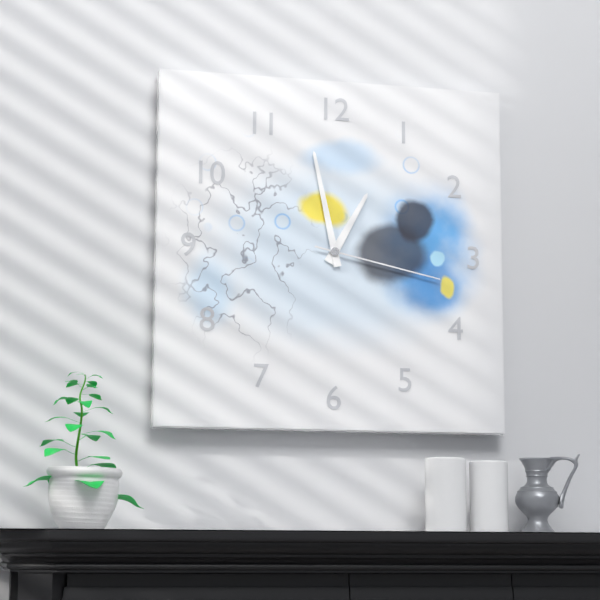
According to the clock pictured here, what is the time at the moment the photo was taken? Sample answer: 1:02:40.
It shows 12:58:17
